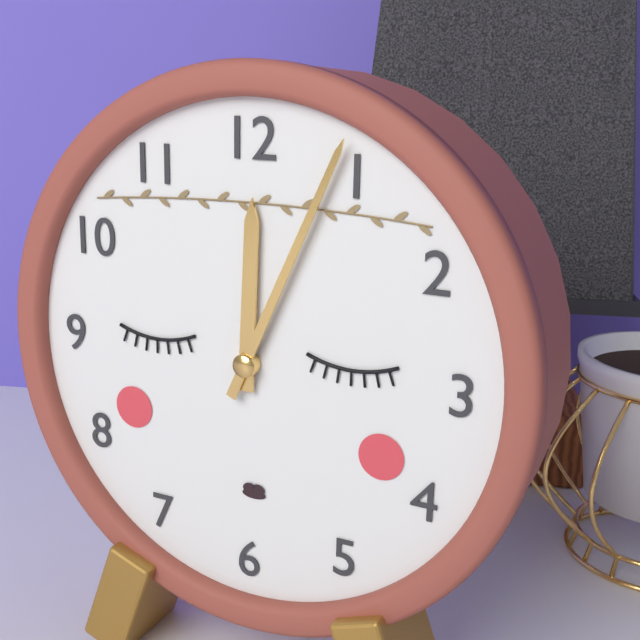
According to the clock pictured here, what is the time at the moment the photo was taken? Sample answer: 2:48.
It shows 12:04
